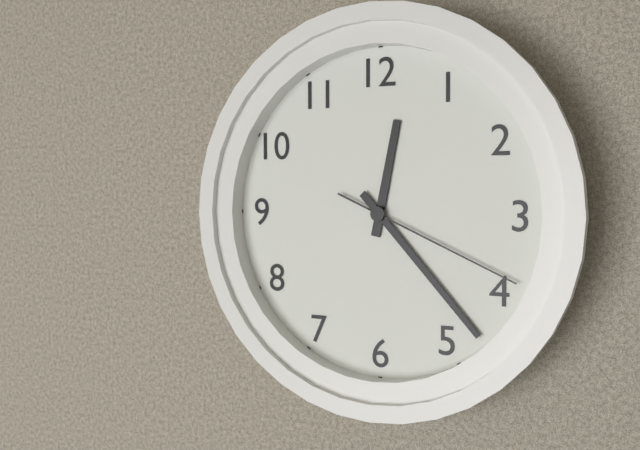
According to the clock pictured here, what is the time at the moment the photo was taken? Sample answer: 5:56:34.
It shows 12:23:19
